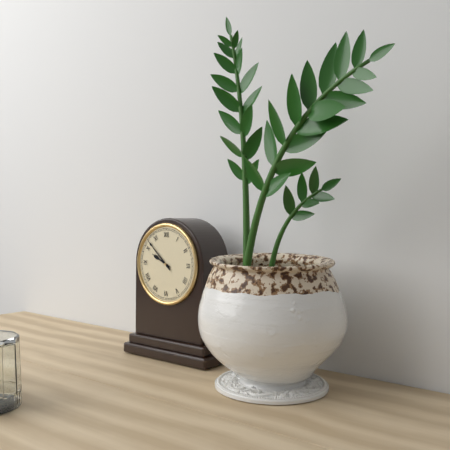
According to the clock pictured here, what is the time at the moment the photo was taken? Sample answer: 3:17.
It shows 9:52
